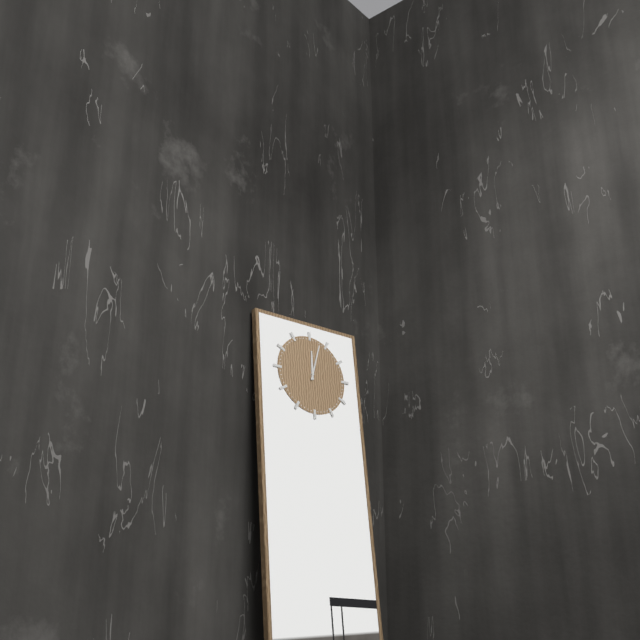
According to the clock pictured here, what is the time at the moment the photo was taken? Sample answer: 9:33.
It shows 12:03
